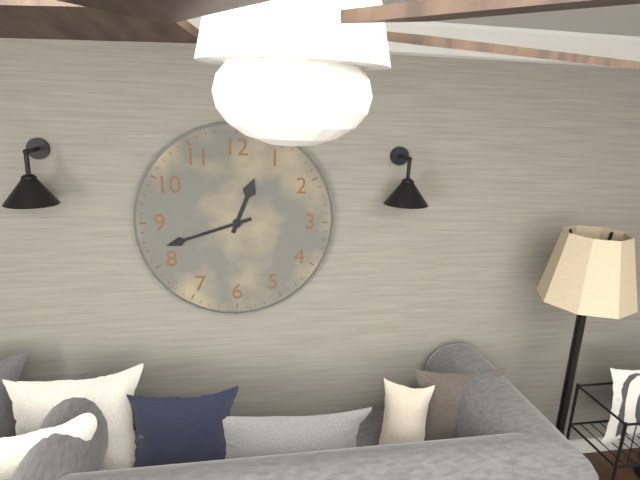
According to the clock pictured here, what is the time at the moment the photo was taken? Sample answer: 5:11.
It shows 12:42
